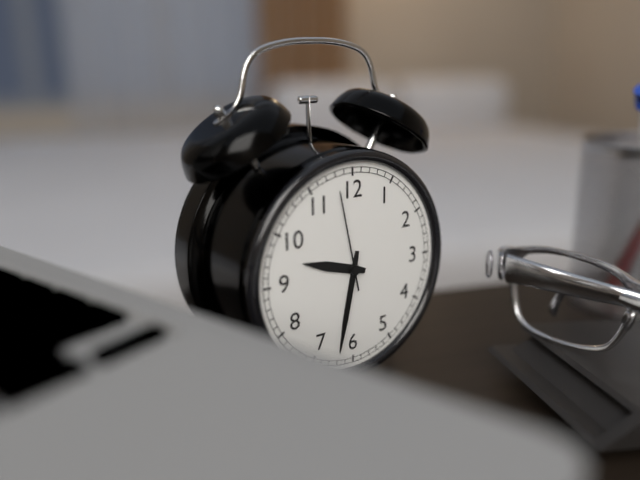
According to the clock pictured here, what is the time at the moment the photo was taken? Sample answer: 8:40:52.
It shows 9:32:58
